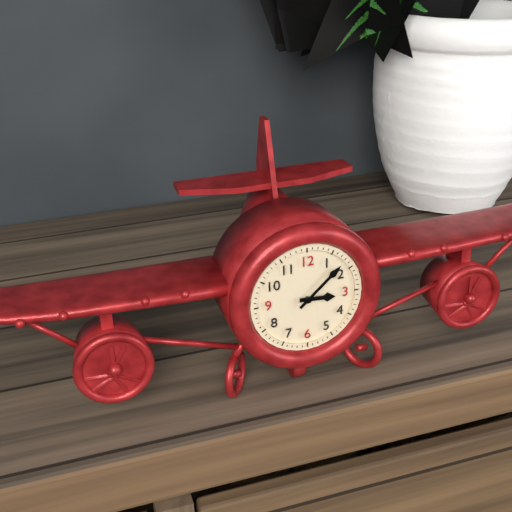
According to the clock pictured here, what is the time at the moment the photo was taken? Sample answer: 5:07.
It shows 3:08
